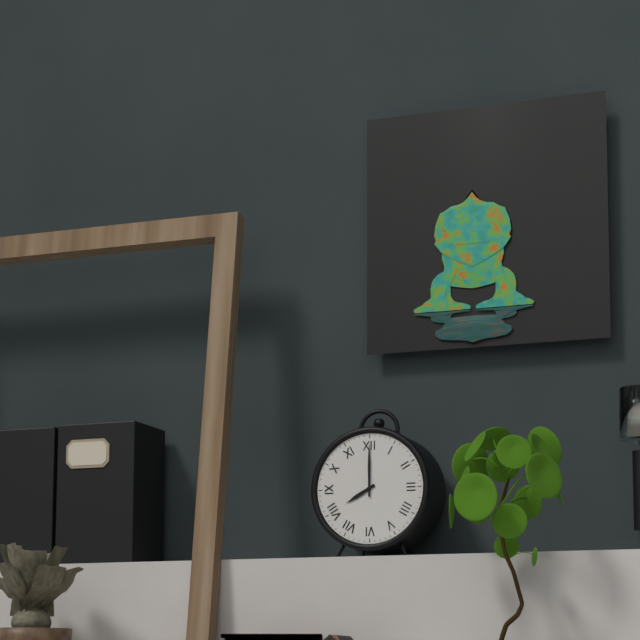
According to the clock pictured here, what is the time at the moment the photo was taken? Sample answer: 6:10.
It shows 8:00
